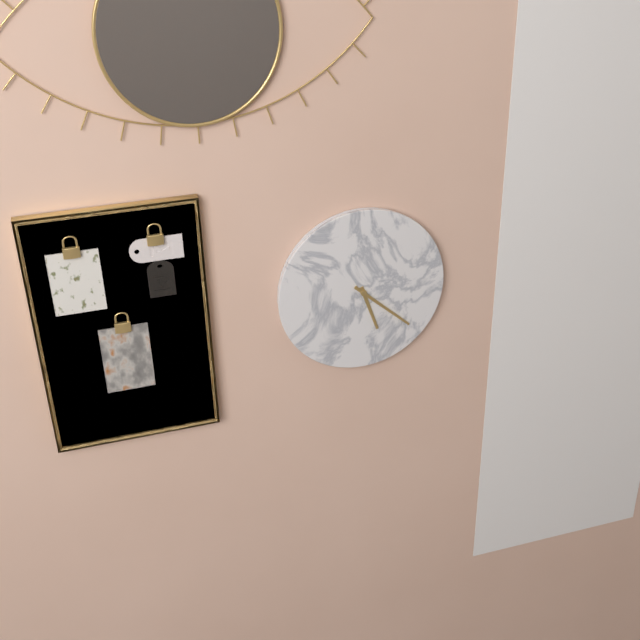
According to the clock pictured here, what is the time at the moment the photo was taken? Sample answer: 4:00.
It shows 5:22
